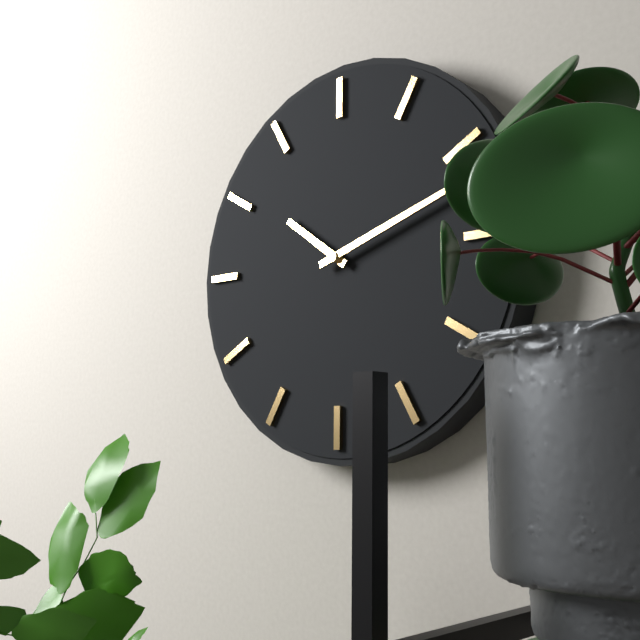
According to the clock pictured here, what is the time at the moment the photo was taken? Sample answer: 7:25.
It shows 10:12
